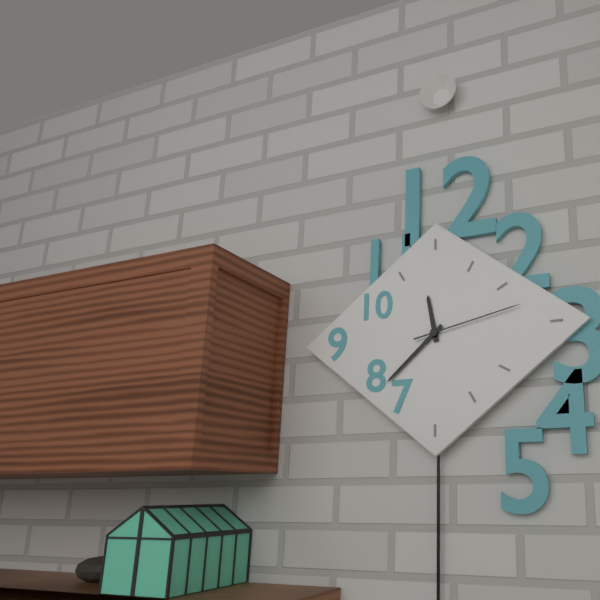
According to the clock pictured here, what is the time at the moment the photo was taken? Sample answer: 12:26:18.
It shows 11:38:13
